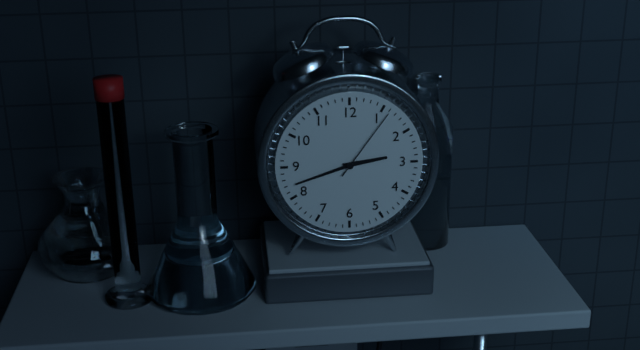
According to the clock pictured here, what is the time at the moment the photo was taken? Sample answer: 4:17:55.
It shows 2:42:06
